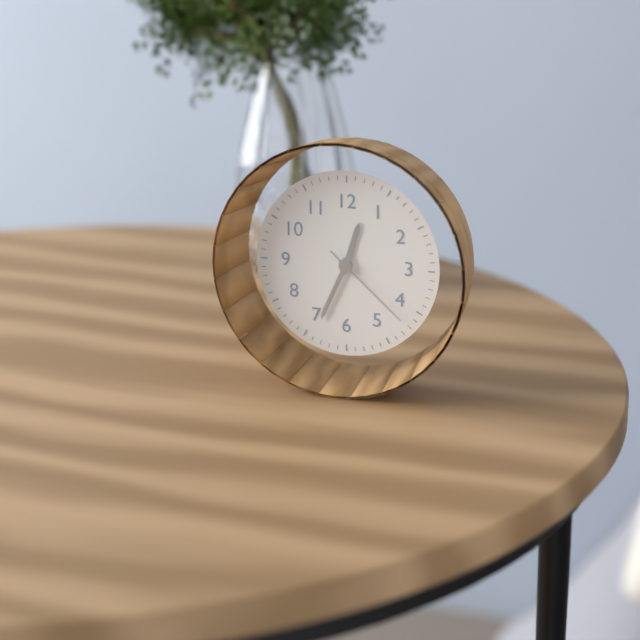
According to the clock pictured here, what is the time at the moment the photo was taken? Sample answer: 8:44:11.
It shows 12:34:22
